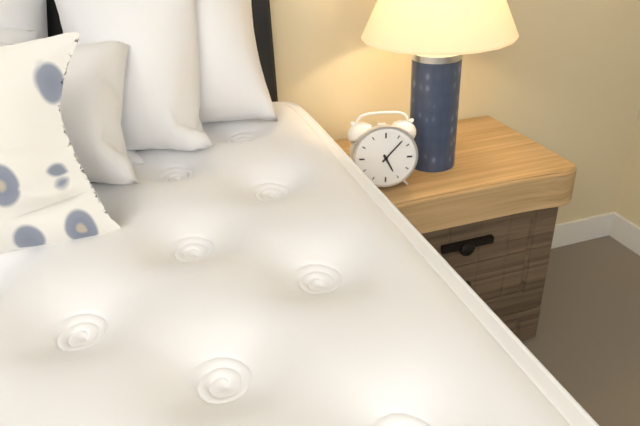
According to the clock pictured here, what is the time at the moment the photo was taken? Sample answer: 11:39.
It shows 5:07
